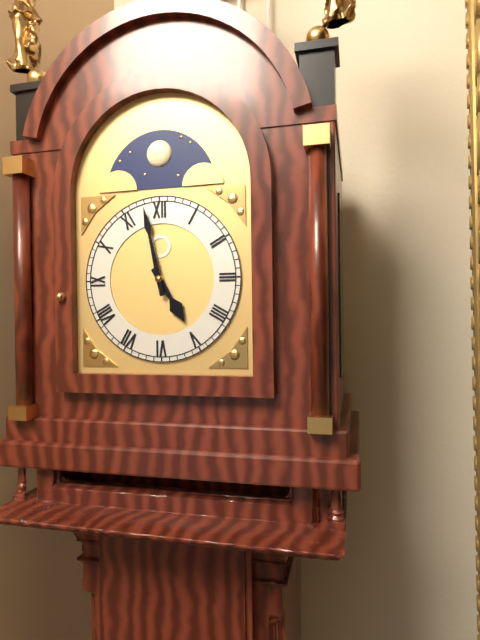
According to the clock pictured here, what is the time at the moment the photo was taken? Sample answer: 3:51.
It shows 4:58
